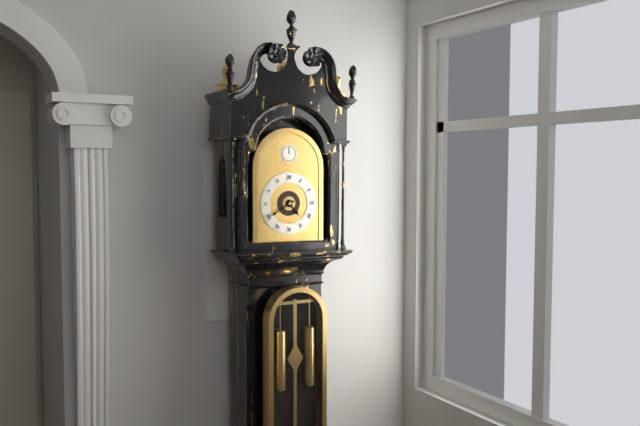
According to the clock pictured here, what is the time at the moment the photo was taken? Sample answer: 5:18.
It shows 4:40
